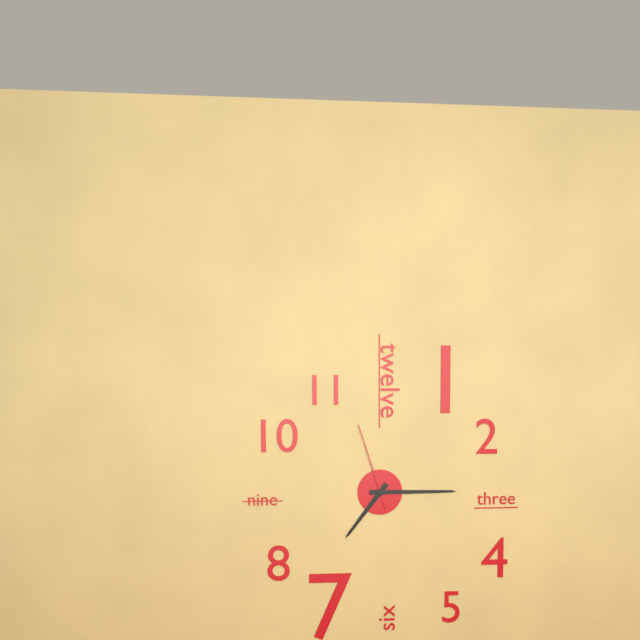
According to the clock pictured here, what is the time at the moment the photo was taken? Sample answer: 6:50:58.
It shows 7:15:57
